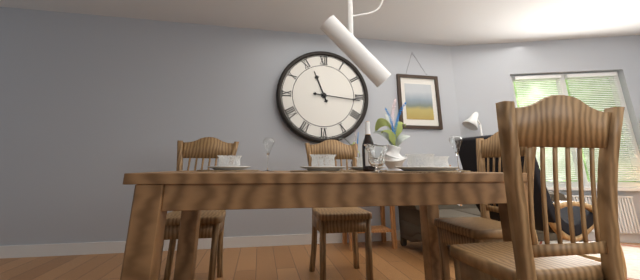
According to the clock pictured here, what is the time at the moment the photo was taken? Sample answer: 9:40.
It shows 11:16
